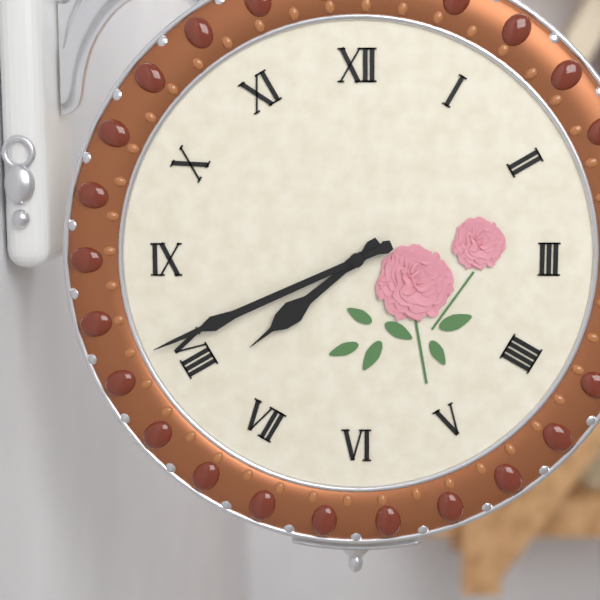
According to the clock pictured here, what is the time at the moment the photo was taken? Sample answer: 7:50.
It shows 7:41
